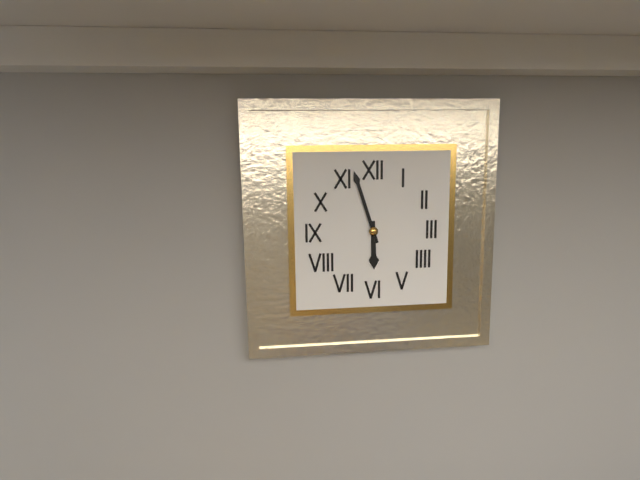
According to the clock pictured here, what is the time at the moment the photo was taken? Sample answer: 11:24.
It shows 5:57
